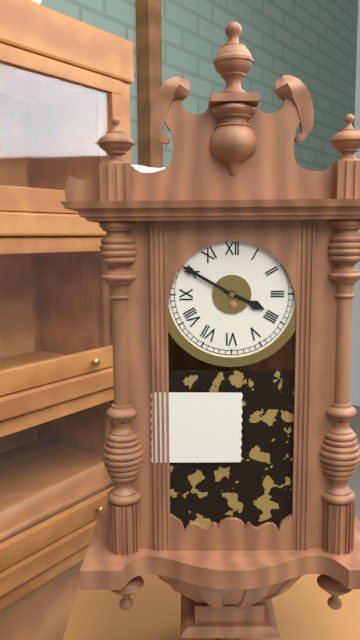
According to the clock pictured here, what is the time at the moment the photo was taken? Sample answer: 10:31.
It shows 3:50
